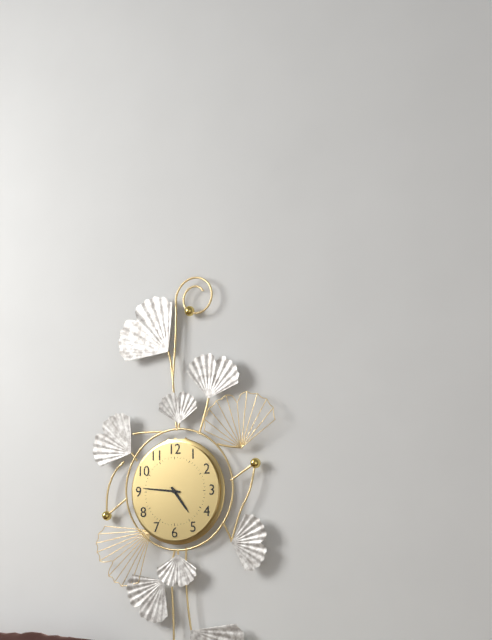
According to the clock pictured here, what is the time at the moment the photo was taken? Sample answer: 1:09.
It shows 4:46
